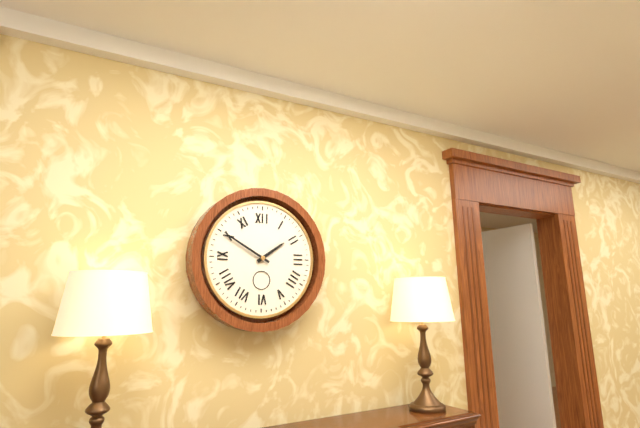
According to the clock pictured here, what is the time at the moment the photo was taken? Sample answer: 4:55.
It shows 1:50
